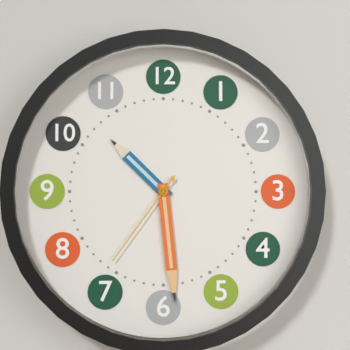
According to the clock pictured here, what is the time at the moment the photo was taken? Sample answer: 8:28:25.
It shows 10:29:36
